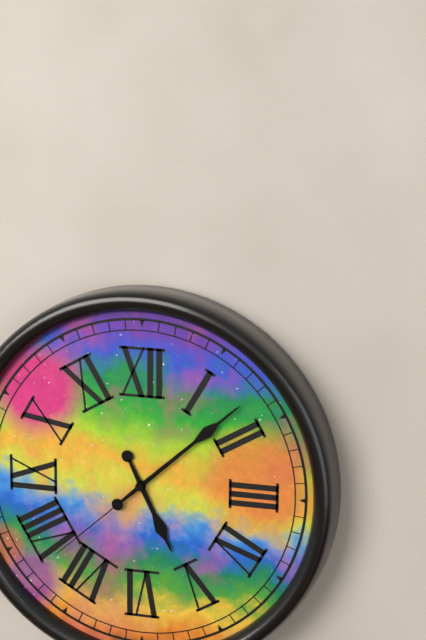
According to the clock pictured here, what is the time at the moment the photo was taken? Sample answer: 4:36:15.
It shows 5:08:38
